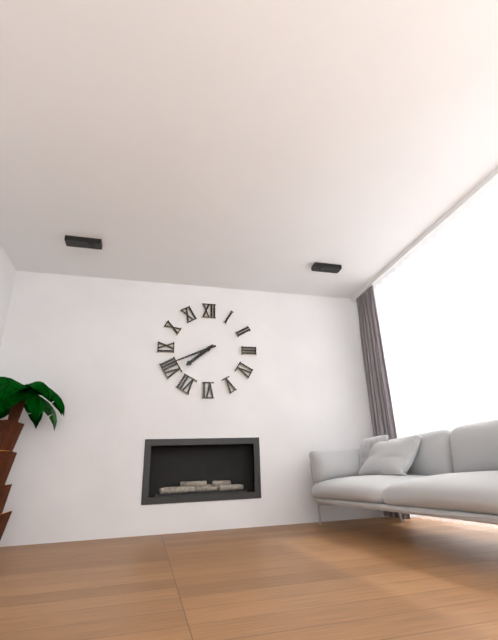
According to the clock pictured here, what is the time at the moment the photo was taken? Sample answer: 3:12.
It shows 7:41
